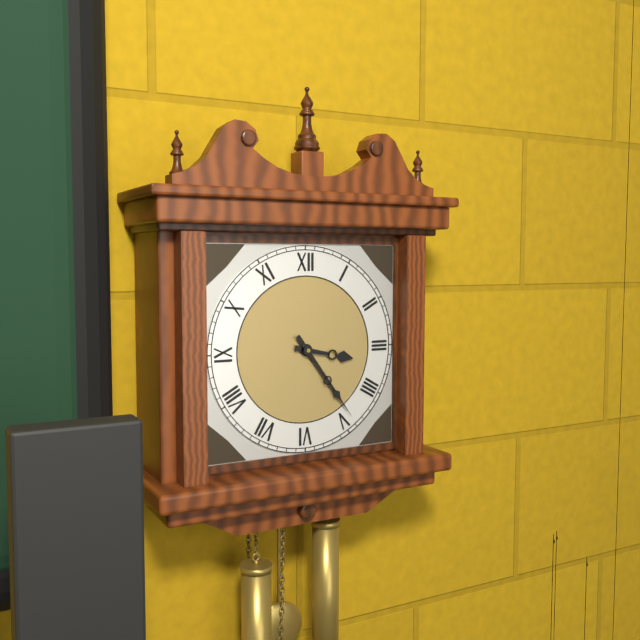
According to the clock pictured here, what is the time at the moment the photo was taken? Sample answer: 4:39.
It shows 3:24
